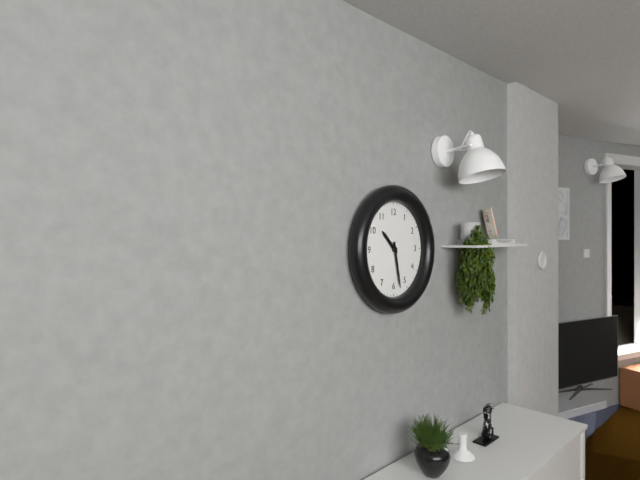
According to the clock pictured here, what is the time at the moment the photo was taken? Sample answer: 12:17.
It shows 10:28
